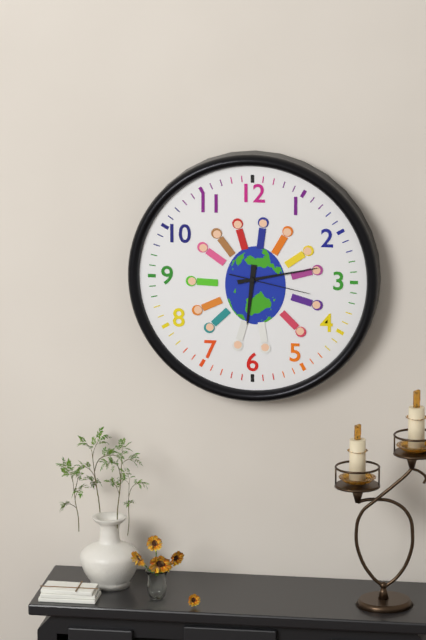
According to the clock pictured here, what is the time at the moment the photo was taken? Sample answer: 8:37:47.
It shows 6:13:17
